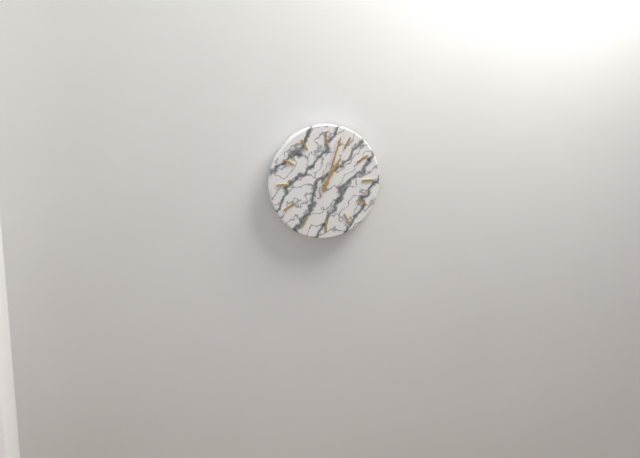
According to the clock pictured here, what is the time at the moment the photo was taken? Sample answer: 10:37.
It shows 1:03
